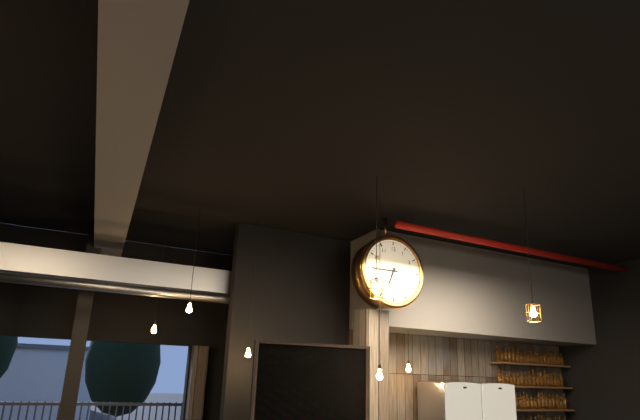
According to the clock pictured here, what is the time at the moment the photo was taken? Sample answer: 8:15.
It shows 6:45
